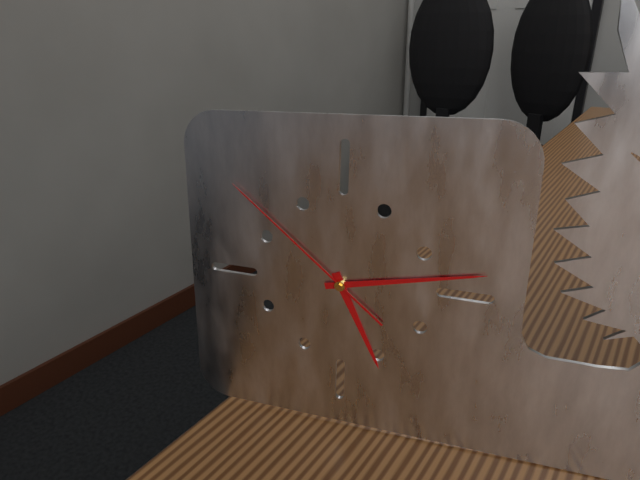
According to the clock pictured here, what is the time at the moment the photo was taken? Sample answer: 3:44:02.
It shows 5:13:52
